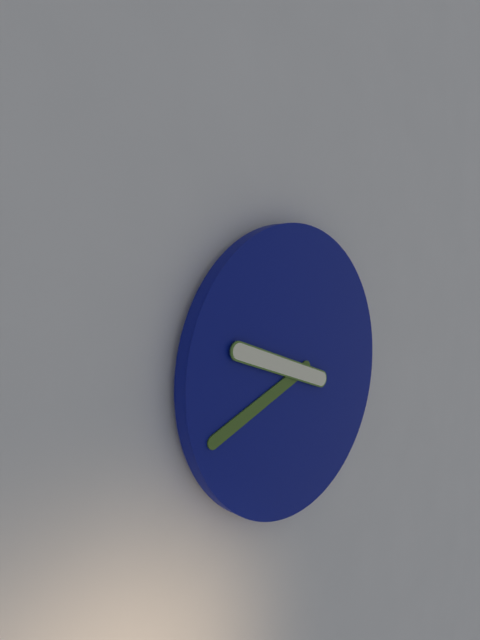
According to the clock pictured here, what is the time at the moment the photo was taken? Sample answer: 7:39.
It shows 9:42
